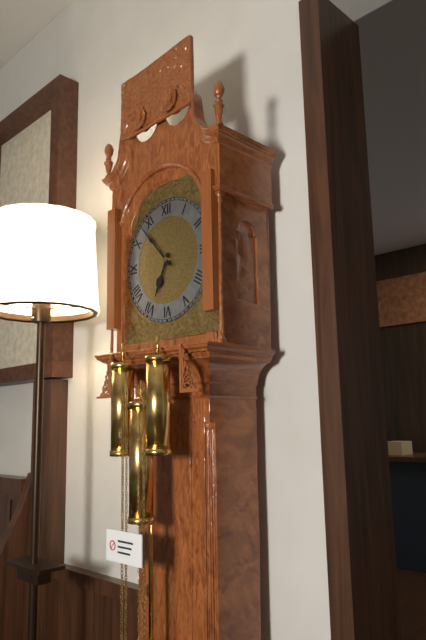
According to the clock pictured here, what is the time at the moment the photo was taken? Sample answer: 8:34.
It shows 6:53
